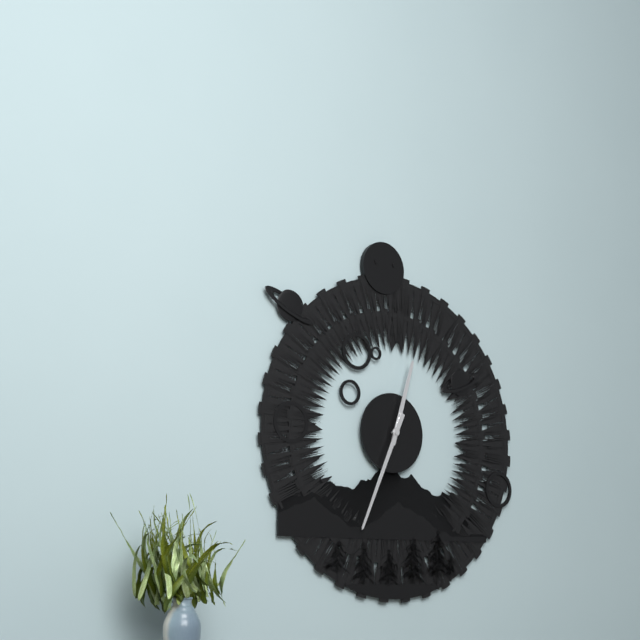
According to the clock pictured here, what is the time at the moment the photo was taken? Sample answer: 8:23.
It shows 12:34
